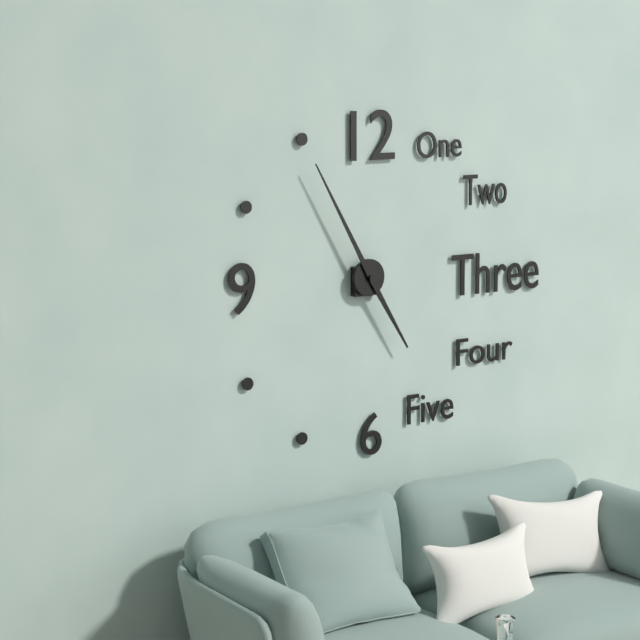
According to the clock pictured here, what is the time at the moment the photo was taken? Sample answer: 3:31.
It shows 4:55
